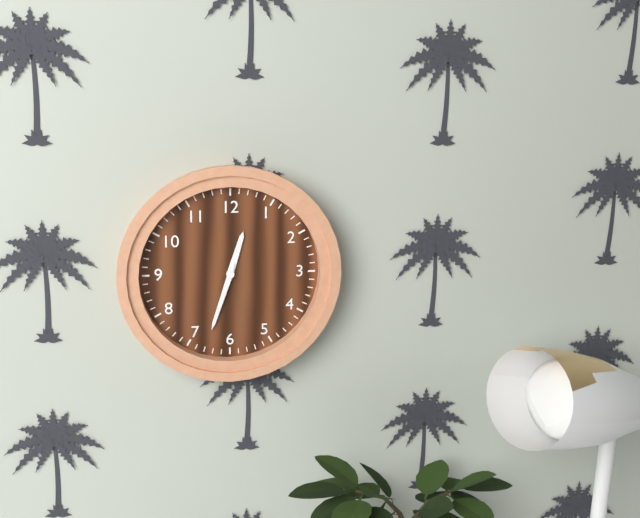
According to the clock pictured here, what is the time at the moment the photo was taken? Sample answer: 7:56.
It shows 12:33
